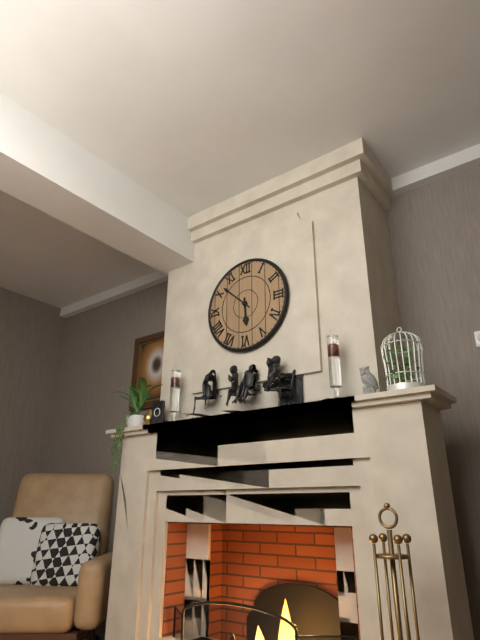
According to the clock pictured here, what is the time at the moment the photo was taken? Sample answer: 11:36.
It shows 5:52
